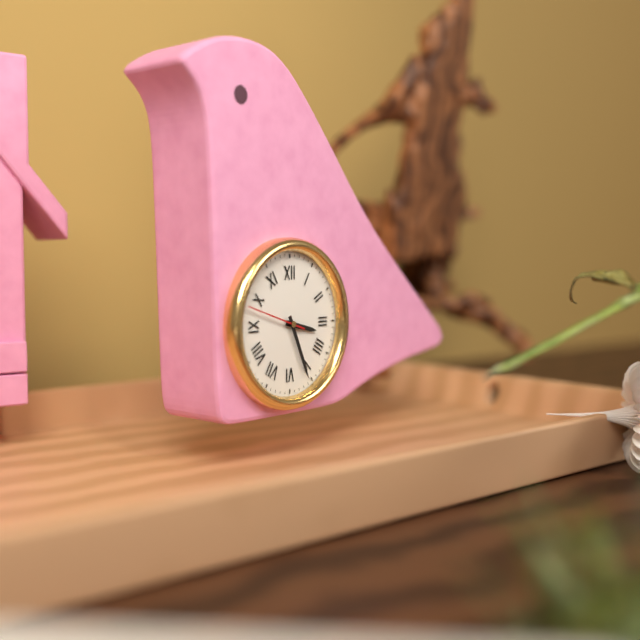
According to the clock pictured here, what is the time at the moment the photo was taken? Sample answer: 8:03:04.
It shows 3:26:48
